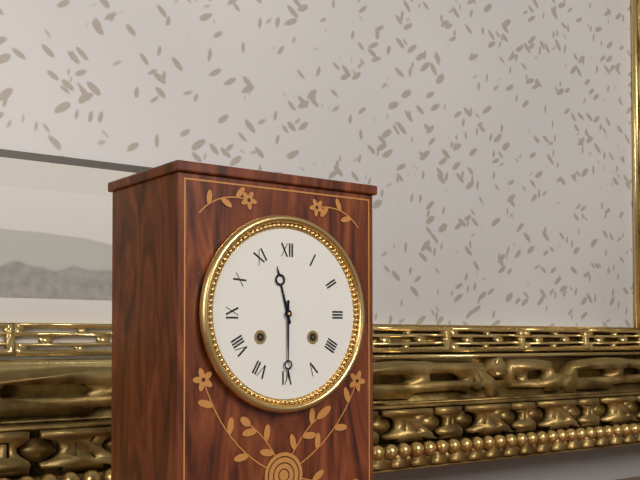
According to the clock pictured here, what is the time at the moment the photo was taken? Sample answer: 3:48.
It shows 11:30
